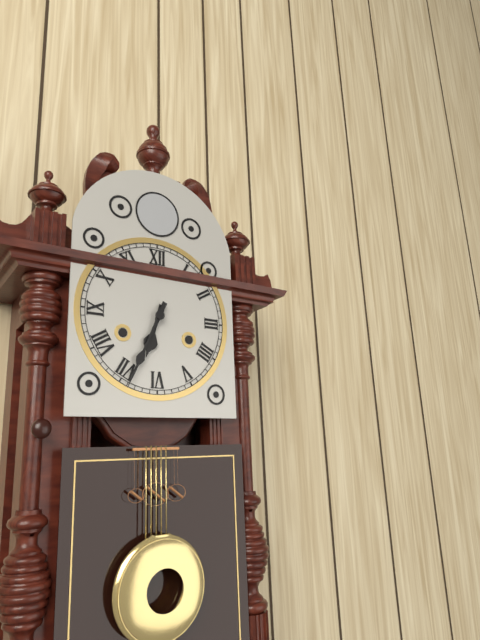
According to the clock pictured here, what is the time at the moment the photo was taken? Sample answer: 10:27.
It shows 6:34
